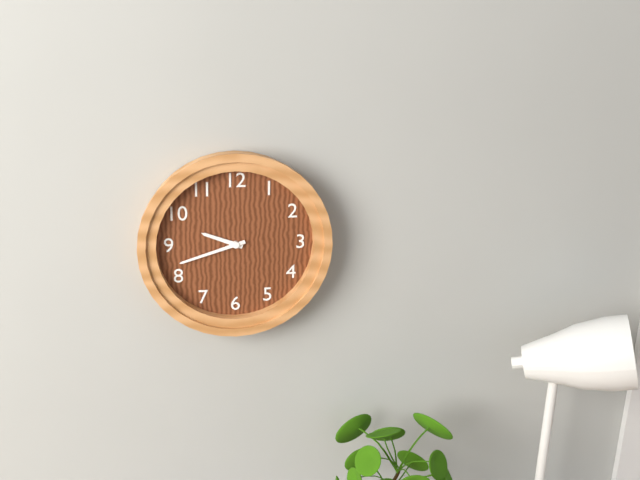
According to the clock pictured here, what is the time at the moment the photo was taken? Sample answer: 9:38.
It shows 9:42
